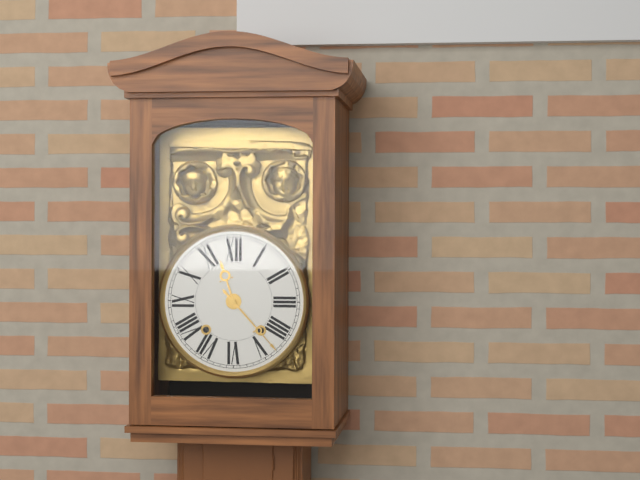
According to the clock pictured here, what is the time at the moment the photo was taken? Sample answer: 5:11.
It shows 11:23
